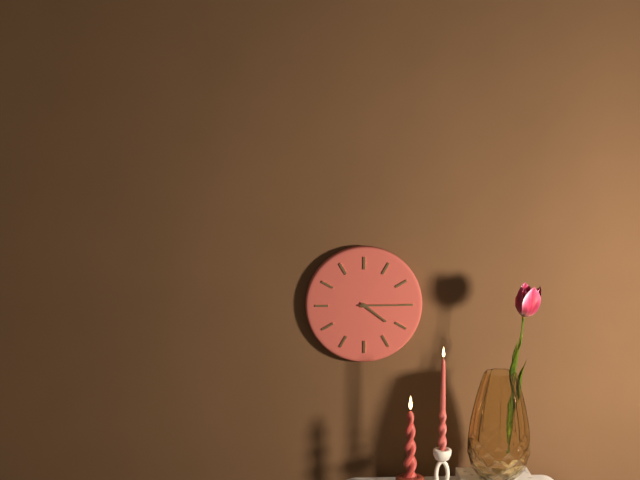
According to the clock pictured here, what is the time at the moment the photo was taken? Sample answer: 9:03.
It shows 4:15
